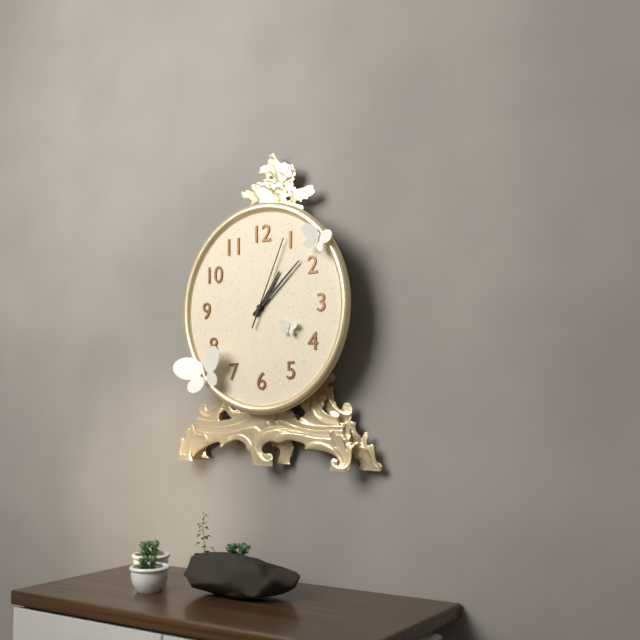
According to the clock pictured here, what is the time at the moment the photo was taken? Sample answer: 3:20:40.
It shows 1:08:04
